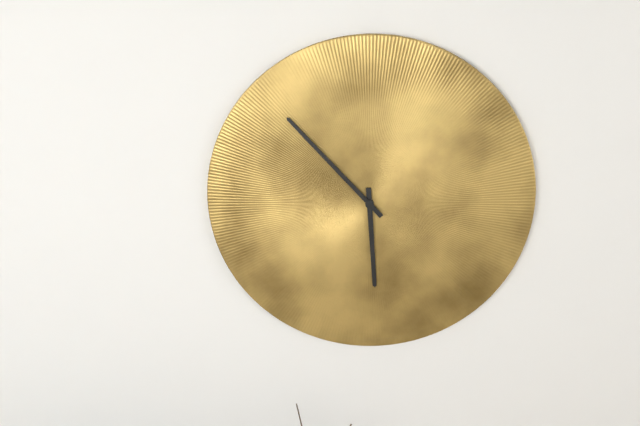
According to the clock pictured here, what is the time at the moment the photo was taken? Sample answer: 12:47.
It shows 5:53
